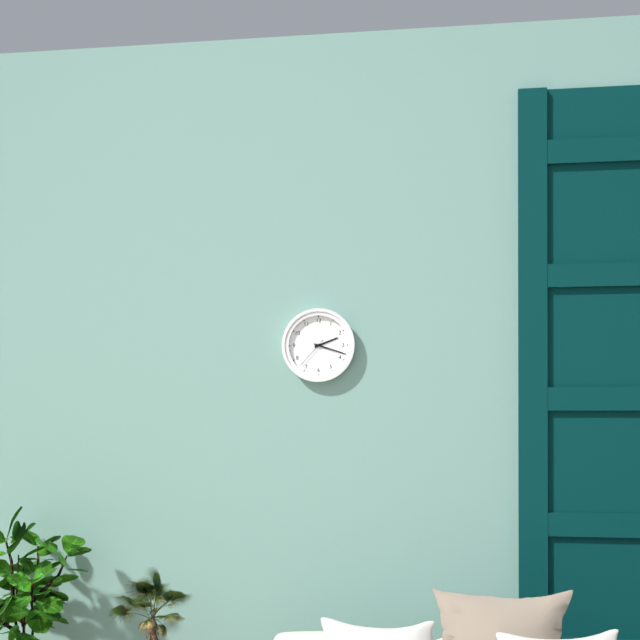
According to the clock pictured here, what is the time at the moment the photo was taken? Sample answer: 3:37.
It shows 2:18
